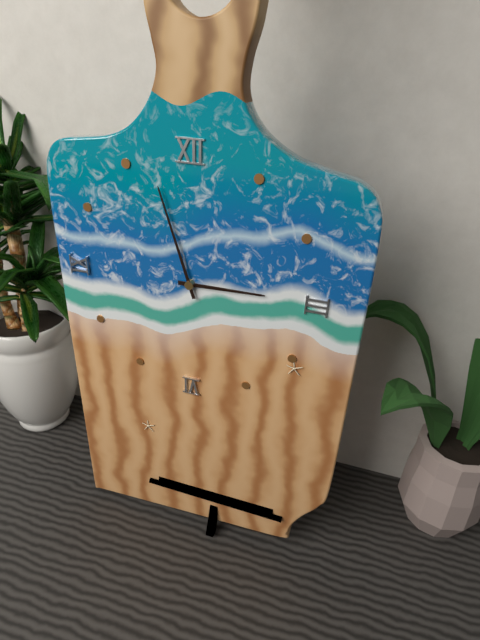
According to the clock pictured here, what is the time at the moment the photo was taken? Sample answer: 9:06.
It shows 2:57
